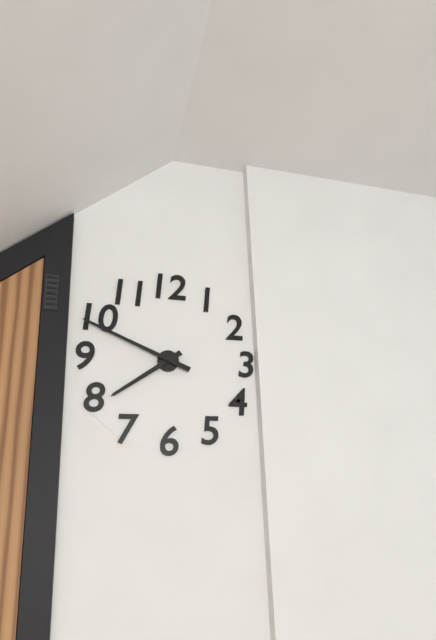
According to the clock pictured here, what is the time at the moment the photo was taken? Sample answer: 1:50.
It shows 7:49
